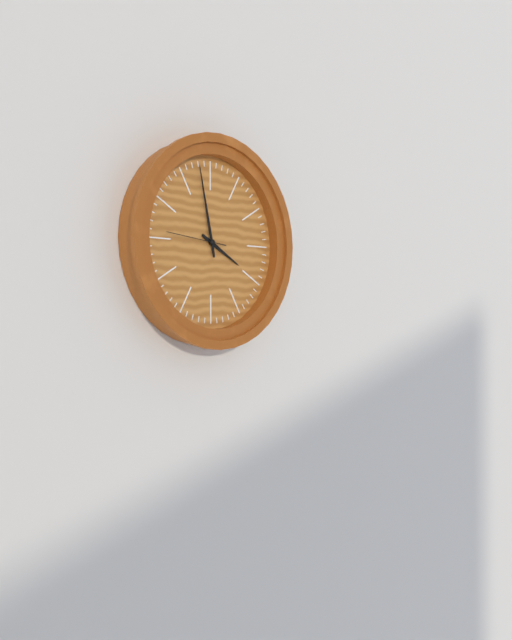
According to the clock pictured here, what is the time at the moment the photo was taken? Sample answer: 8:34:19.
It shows 3:58:46
